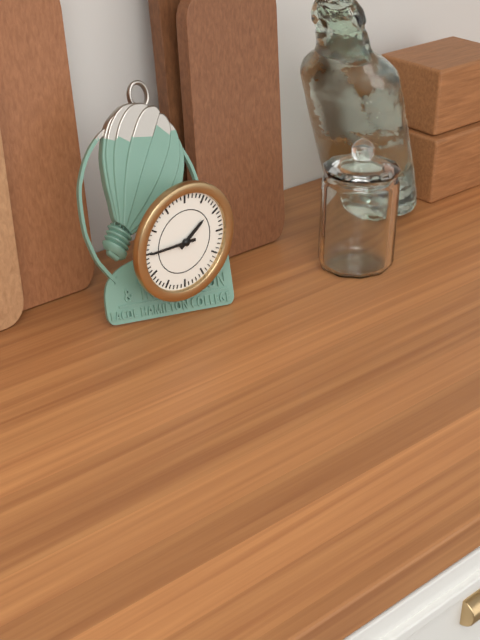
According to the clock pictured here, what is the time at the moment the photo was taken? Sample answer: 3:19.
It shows 1:45
